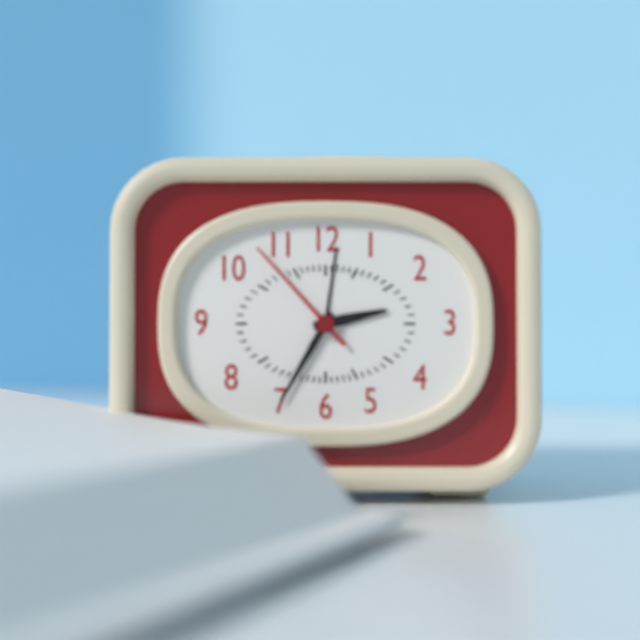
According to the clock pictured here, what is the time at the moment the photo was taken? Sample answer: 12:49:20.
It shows 2:35:53
